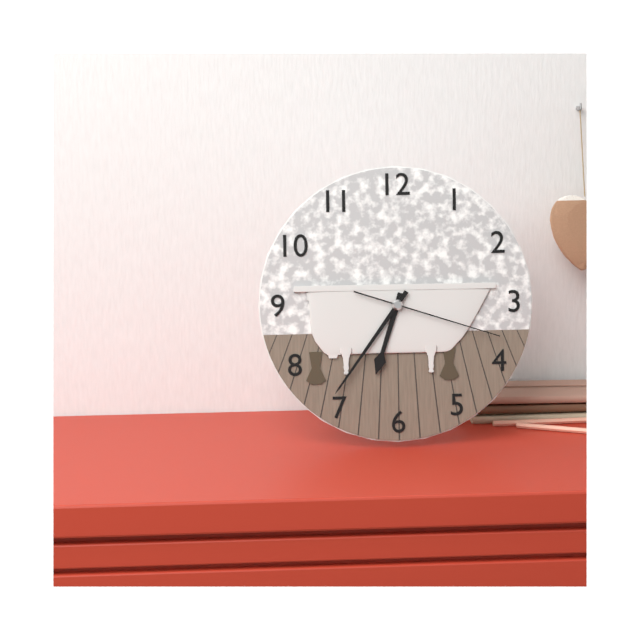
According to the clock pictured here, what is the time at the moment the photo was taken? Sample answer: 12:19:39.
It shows 6:36:18
